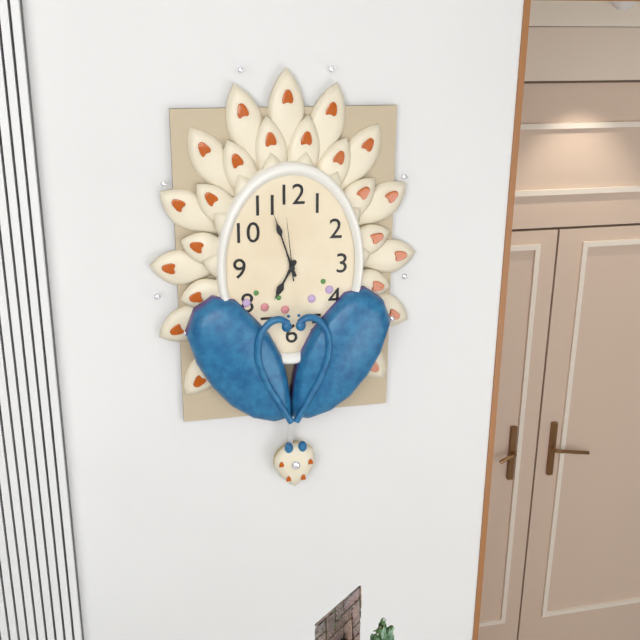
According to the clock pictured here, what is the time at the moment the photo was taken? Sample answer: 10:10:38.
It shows 6:57:59
